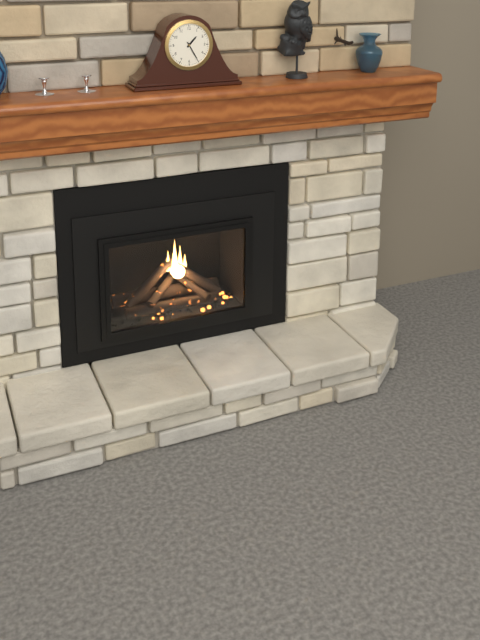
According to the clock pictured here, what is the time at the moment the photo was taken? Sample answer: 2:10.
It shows 1:25
